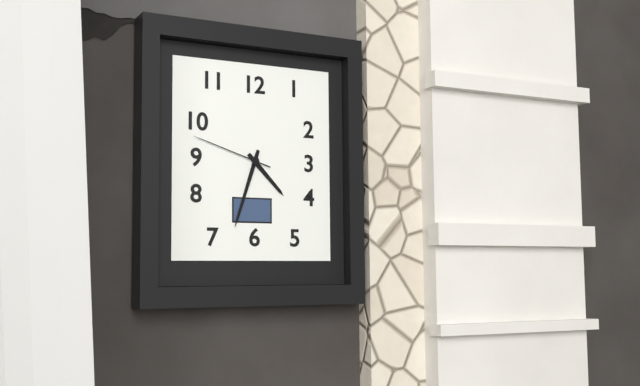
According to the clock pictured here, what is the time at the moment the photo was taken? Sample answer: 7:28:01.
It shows 4:33:48
